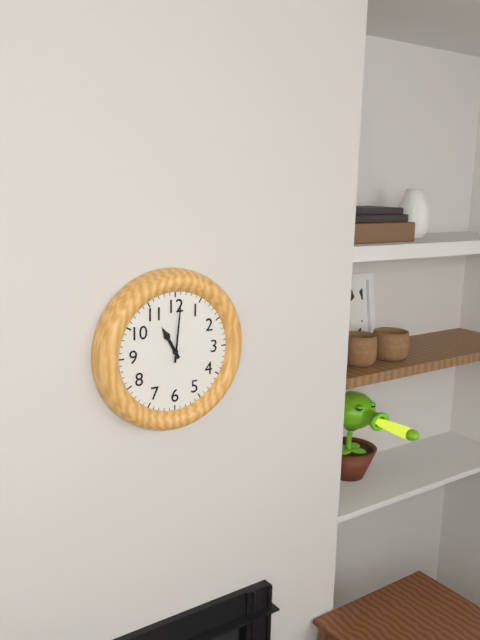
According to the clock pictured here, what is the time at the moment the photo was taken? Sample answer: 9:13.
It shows 11:01
